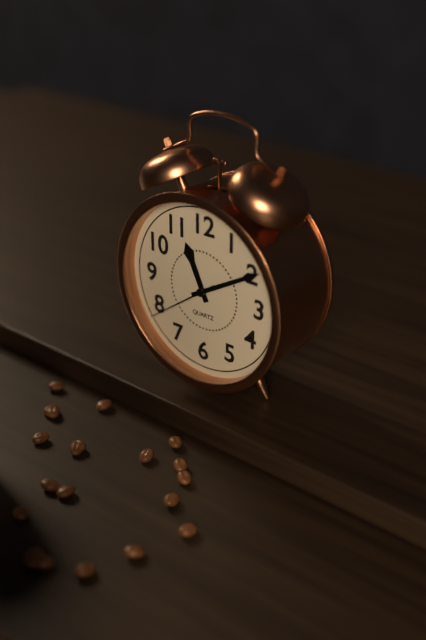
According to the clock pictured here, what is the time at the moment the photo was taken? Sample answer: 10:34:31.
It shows 11:10:39
